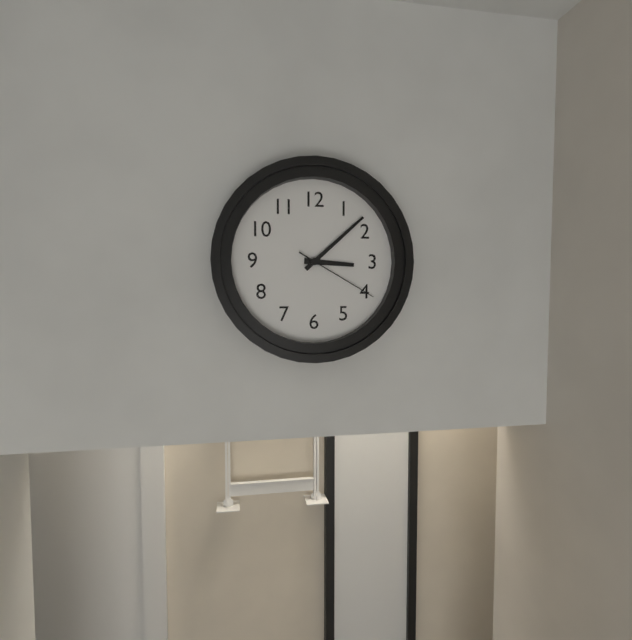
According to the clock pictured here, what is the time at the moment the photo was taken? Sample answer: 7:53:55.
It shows 3:08:20
